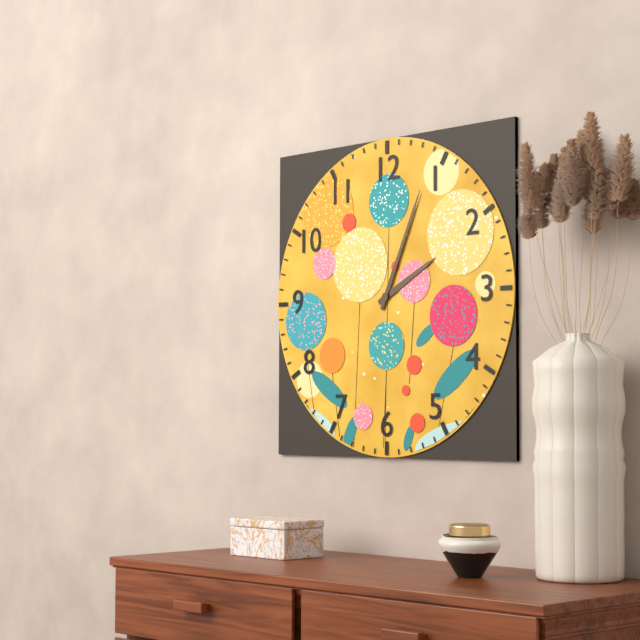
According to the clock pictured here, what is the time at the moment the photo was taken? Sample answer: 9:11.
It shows 2:04
